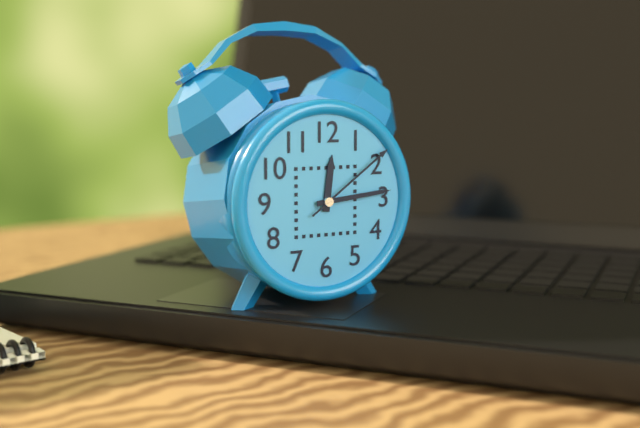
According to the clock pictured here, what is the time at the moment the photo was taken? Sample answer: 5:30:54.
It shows 12:14:09
